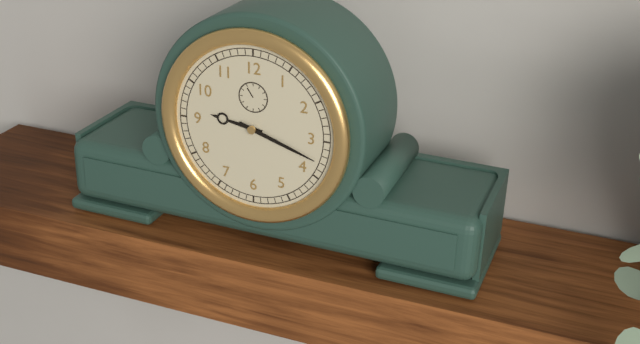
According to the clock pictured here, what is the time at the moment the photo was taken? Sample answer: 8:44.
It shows 9:18
